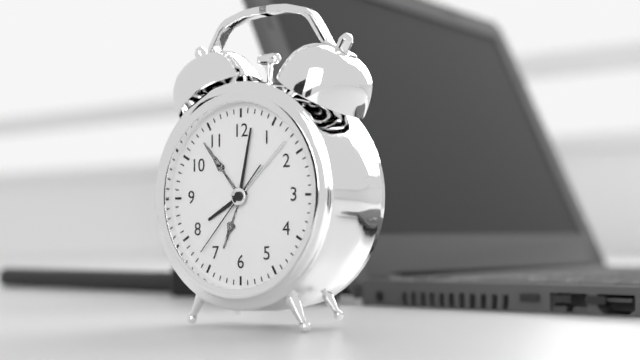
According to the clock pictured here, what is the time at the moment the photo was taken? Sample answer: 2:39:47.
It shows 8:02:37
